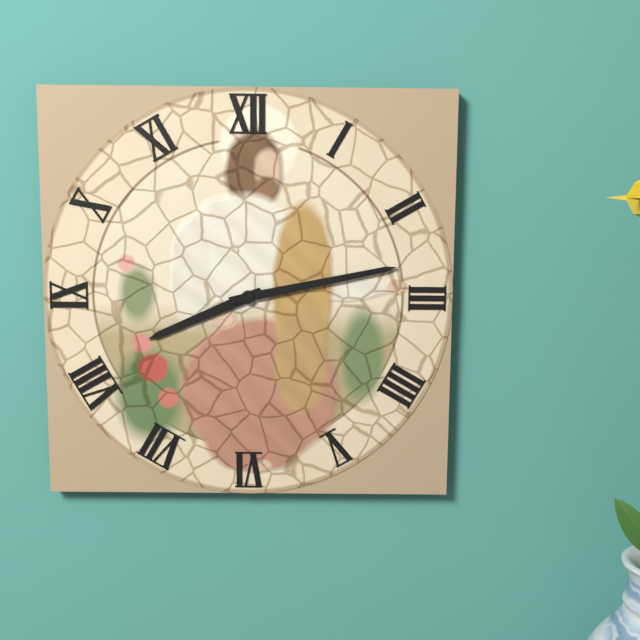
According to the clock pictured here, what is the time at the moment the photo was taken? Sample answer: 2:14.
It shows 8:13
